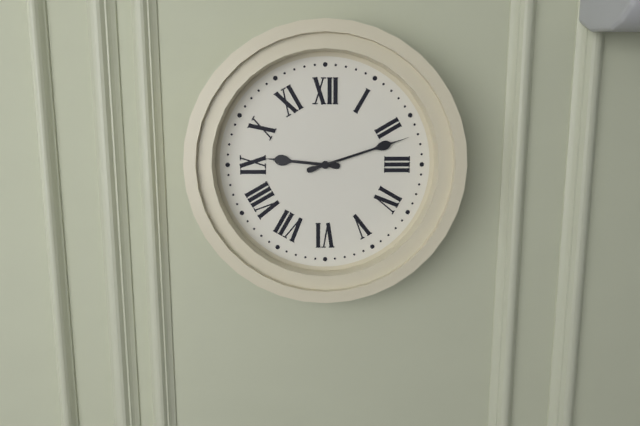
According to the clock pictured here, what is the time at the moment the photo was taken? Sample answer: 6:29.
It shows 9:12
